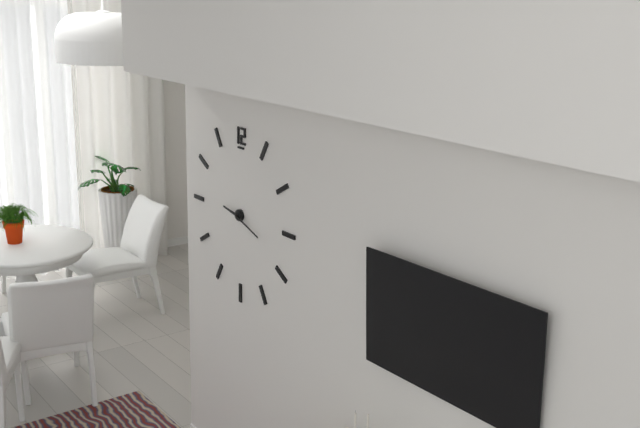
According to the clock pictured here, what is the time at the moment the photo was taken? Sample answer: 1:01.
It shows 9:18
